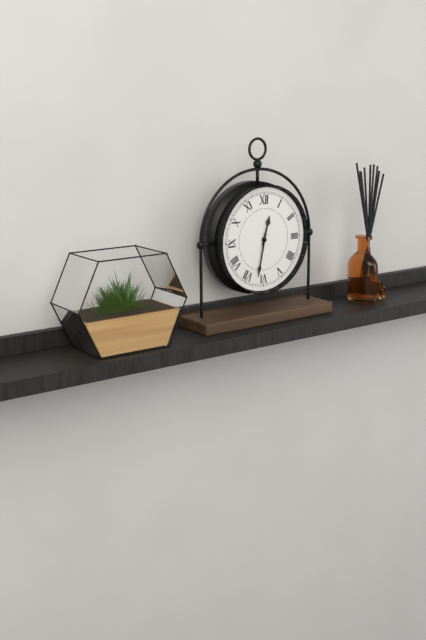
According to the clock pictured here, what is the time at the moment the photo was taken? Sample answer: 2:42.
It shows 12:32
